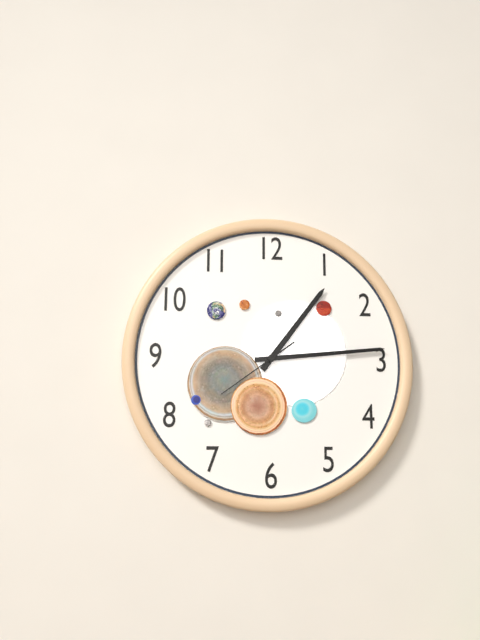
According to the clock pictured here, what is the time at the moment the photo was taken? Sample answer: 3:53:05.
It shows 1:14:39
